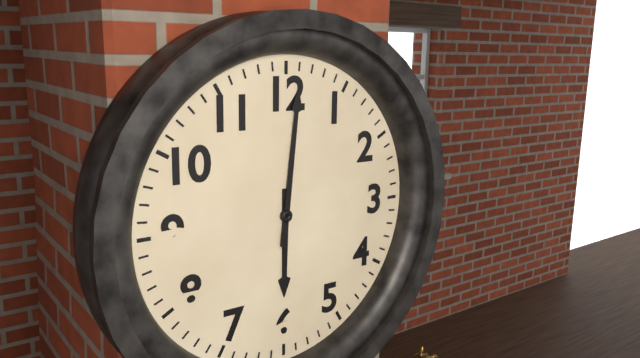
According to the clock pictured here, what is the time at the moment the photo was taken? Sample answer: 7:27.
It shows 6:01
